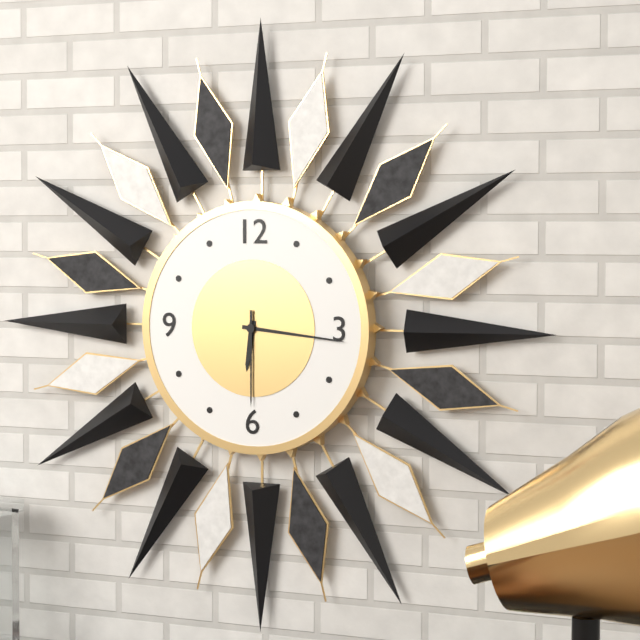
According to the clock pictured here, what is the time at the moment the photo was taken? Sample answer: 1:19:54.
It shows 6:16:30
